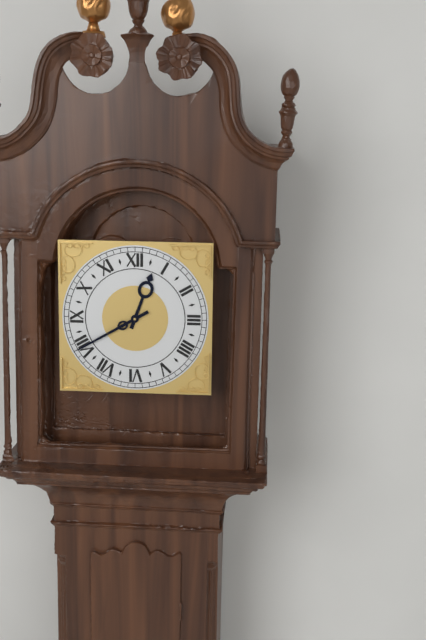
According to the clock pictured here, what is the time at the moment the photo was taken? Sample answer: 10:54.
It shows 12:40
